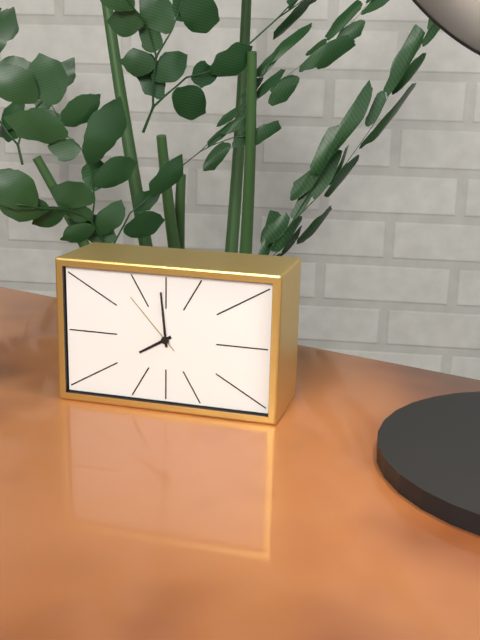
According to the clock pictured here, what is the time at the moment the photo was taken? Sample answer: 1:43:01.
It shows 7:59:53
